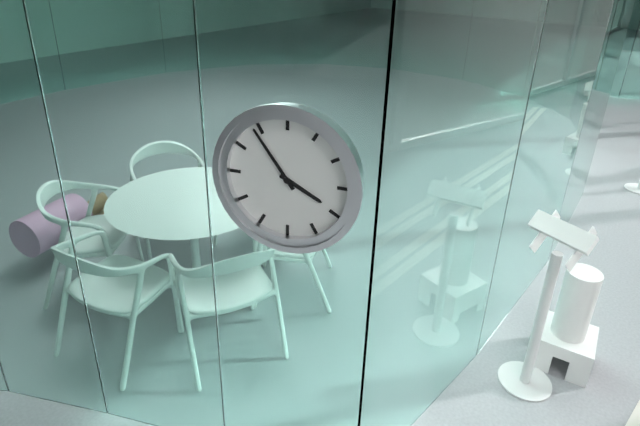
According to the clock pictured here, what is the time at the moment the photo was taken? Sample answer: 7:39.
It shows 3:54
